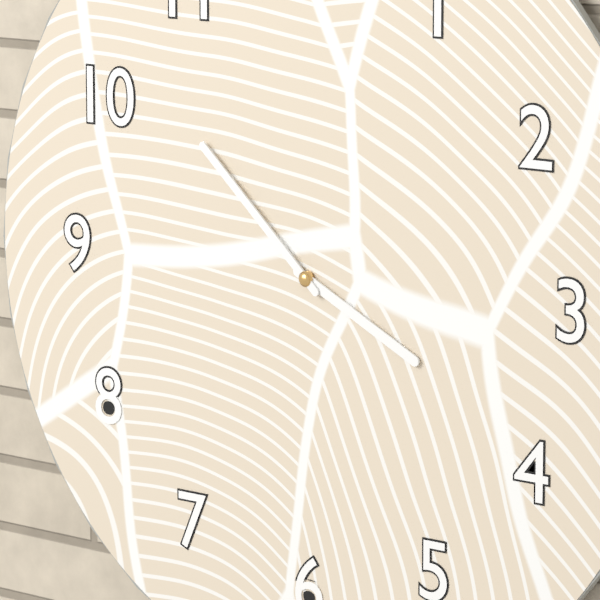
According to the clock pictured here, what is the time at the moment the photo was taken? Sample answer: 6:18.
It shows 3:52
